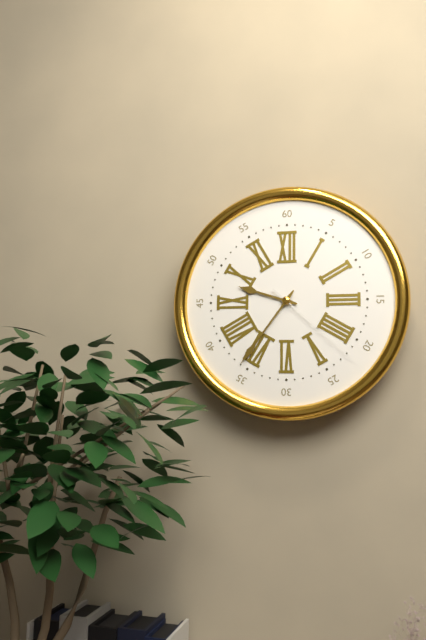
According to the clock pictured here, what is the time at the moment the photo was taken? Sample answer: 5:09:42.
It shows 9:36:22
